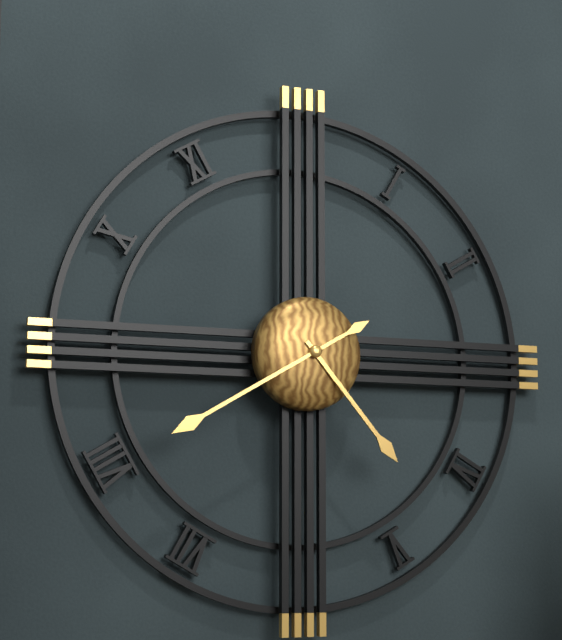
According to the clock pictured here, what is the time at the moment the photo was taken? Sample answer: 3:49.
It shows 4:40
